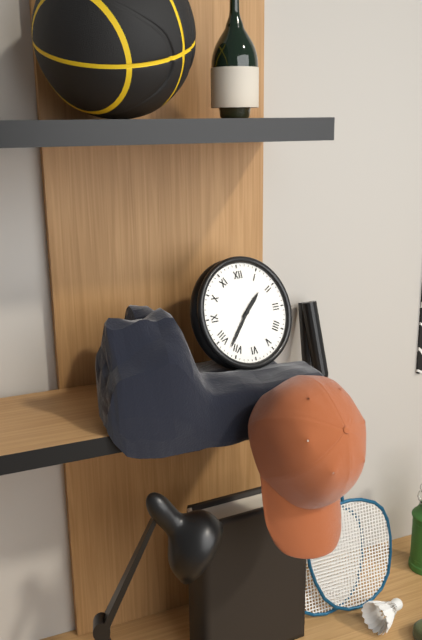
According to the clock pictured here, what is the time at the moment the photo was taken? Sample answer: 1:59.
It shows 1:37
